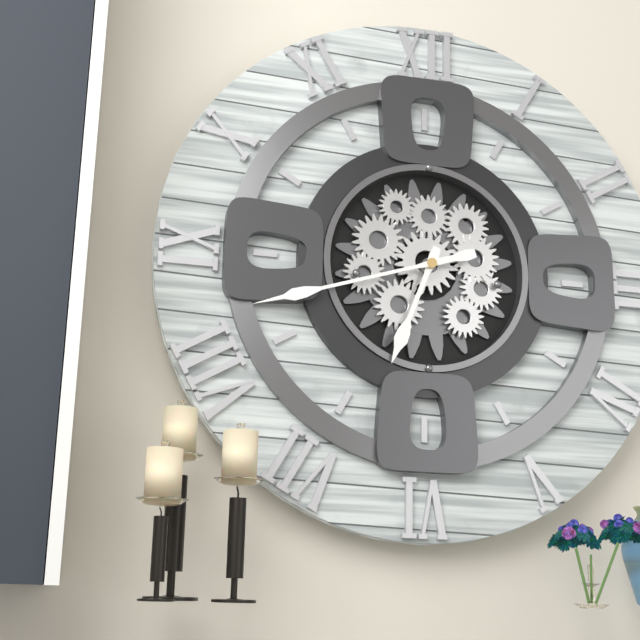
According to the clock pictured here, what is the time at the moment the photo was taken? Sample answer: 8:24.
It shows 6:42
